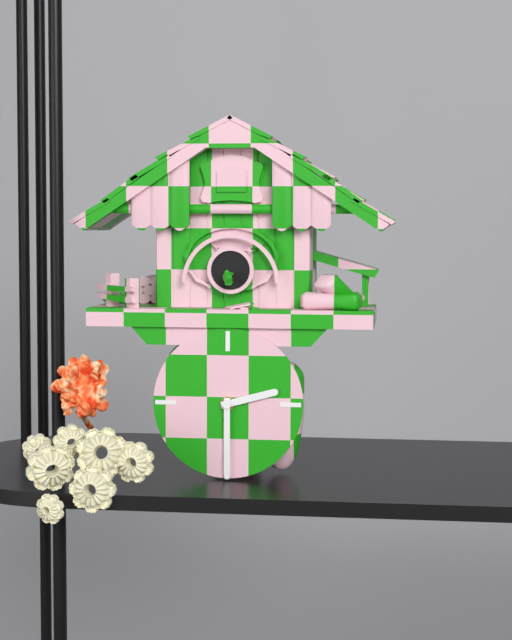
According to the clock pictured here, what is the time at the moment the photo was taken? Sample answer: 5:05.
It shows 2:30
